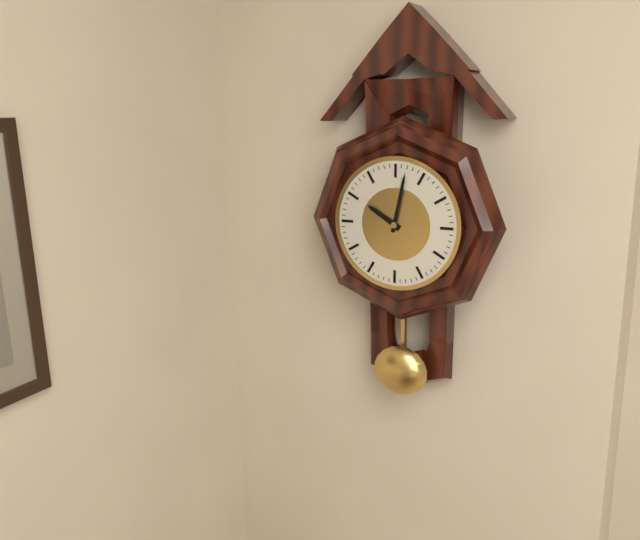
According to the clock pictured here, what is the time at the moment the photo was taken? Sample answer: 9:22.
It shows 10:02
